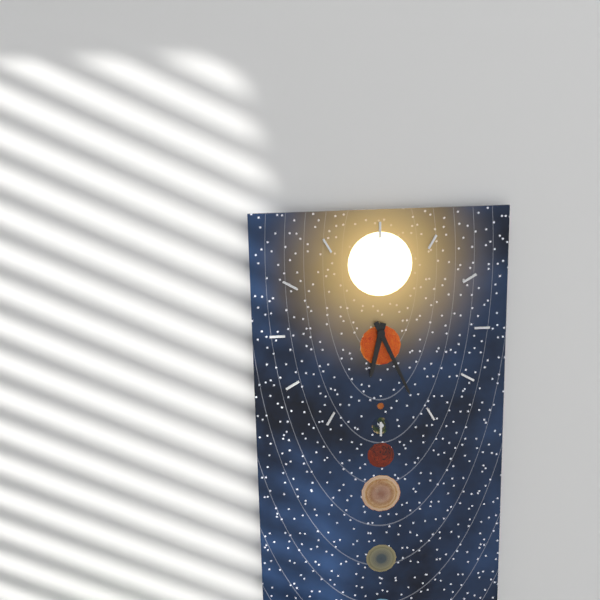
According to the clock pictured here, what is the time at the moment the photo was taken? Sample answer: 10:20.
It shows 6:26
